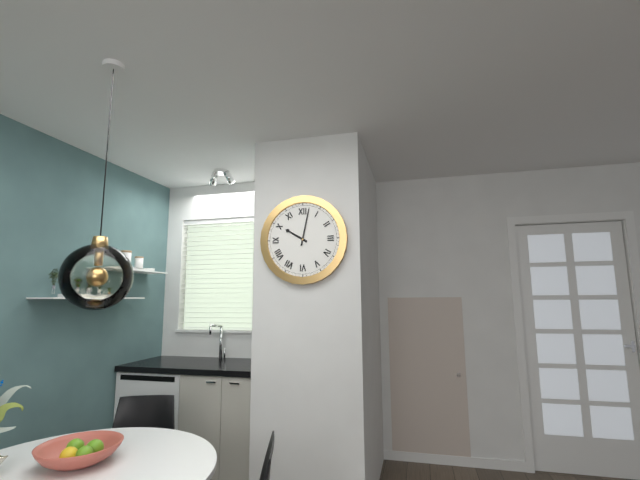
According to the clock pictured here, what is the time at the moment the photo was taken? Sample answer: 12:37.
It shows 10:02
